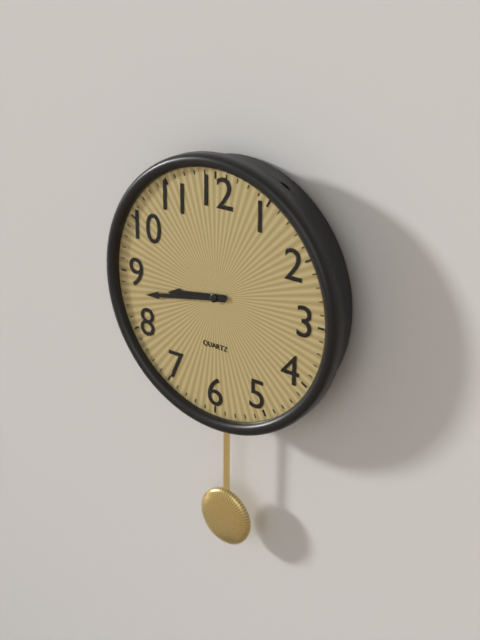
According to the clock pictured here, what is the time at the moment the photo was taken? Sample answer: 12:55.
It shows 8:43
